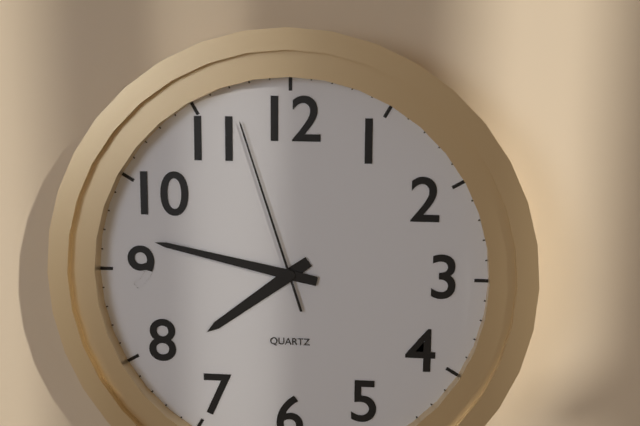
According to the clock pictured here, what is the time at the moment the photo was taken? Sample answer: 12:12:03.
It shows 7:47:57
